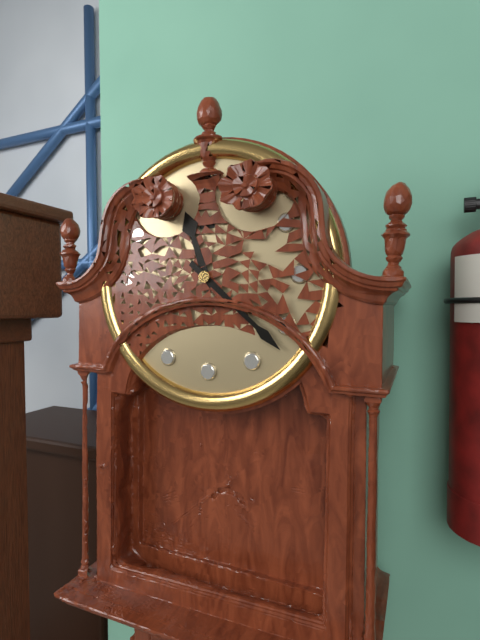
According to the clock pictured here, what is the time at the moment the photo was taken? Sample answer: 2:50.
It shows 11:22
